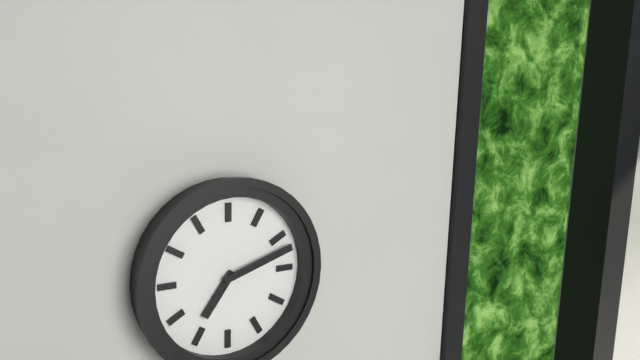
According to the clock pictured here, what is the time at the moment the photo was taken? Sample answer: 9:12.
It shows 7:12
